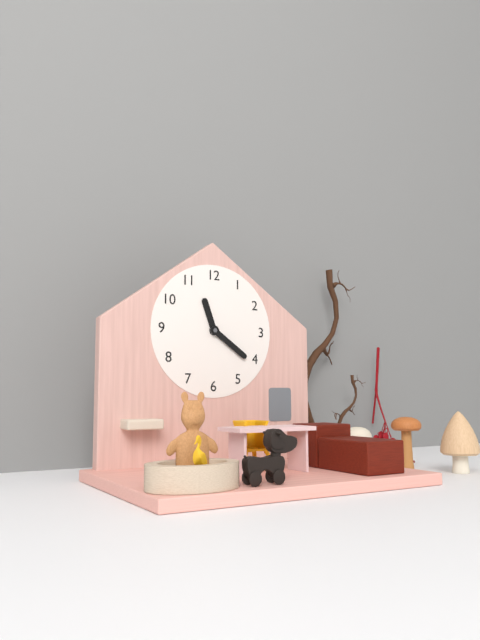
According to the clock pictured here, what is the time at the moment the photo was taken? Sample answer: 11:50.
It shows 11:21
